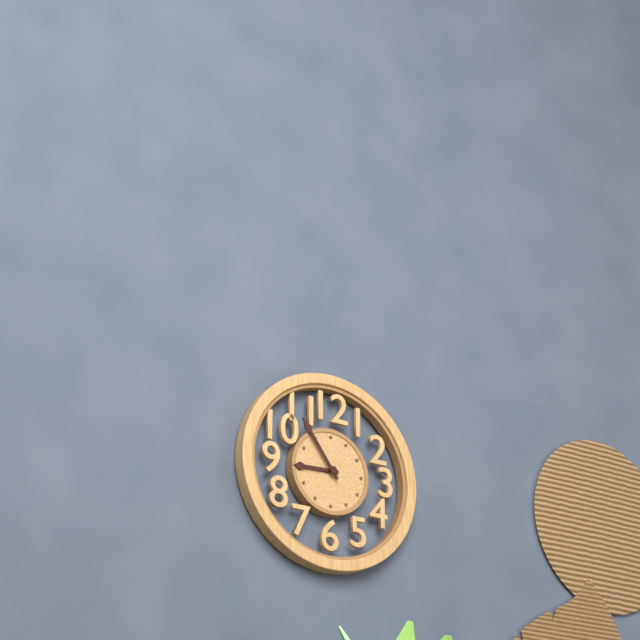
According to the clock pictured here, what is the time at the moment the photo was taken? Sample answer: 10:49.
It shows 8:54
